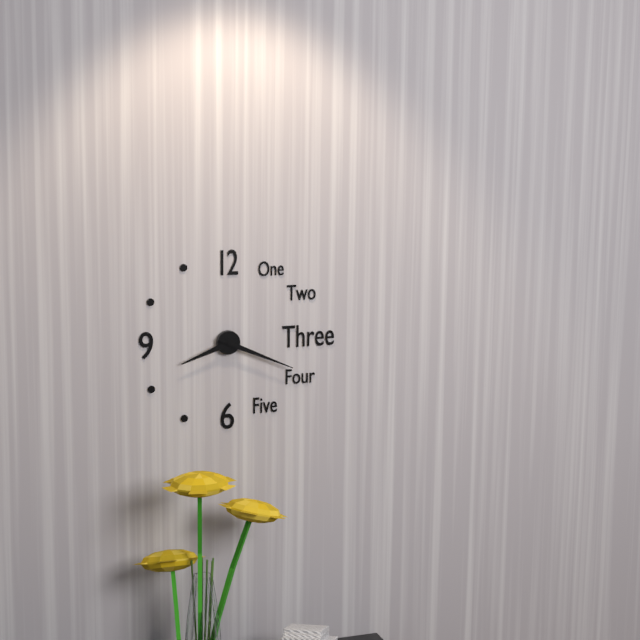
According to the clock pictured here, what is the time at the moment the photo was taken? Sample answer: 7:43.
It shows 8:19
